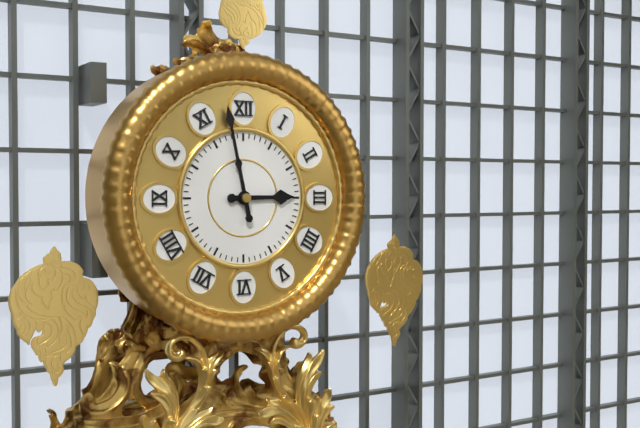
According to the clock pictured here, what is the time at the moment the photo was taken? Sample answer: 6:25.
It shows 2:58
